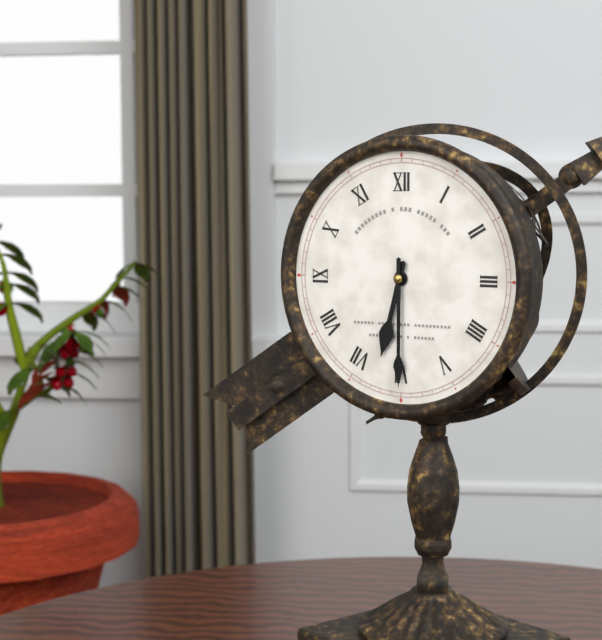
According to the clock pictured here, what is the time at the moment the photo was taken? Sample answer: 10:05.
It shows 6:30
